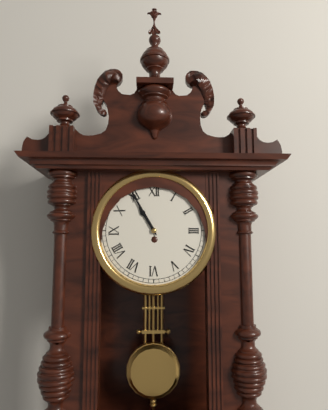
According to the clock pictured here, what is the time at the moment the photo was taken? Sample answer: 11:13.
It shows 10:55
